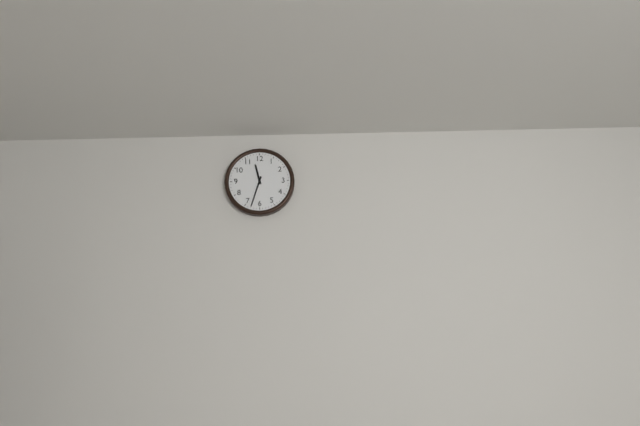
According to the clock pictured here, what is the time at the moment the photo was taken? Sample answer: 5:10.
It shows 11:33
